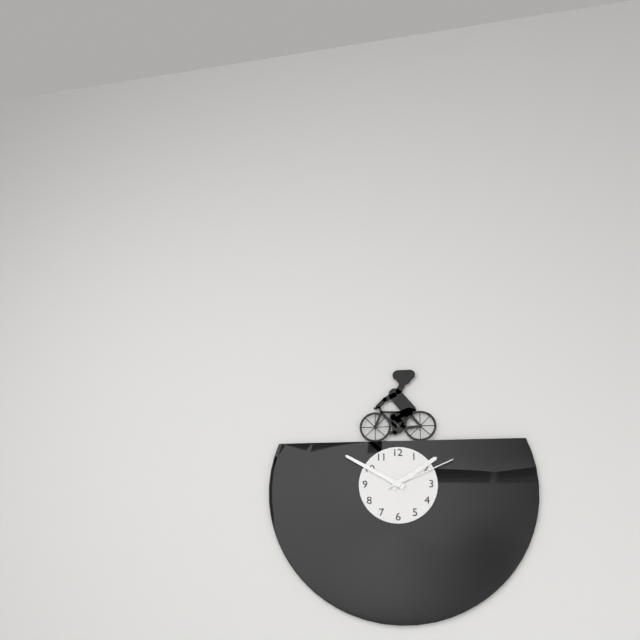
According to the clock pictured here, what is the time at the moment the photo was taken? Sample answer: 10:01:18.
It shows 1:50:11
